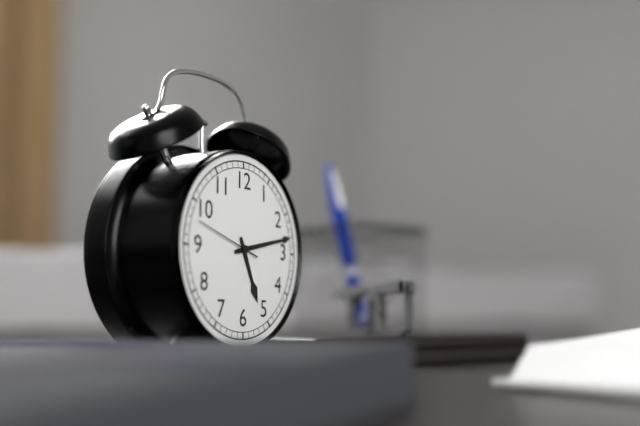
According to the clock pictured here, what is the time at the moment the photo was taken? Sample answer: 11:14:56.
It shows 5:13:48
